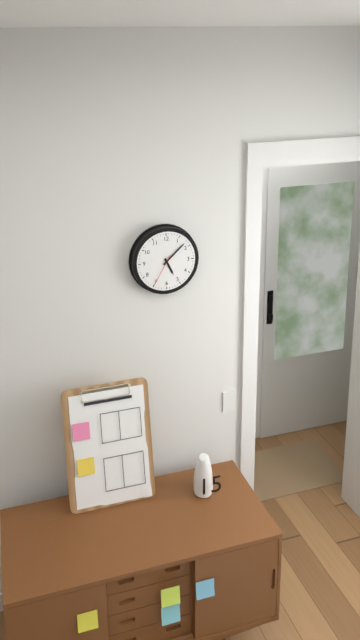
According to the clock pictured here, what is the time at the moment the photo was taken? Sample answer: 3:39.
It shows 5:08
